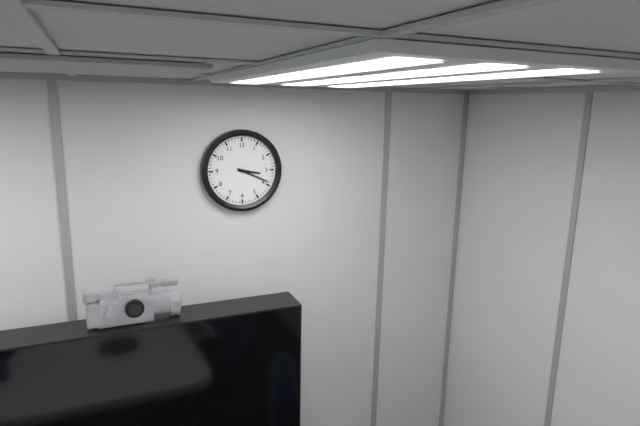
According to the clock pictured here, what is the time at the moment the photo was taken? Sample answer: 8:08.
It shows 3:19
